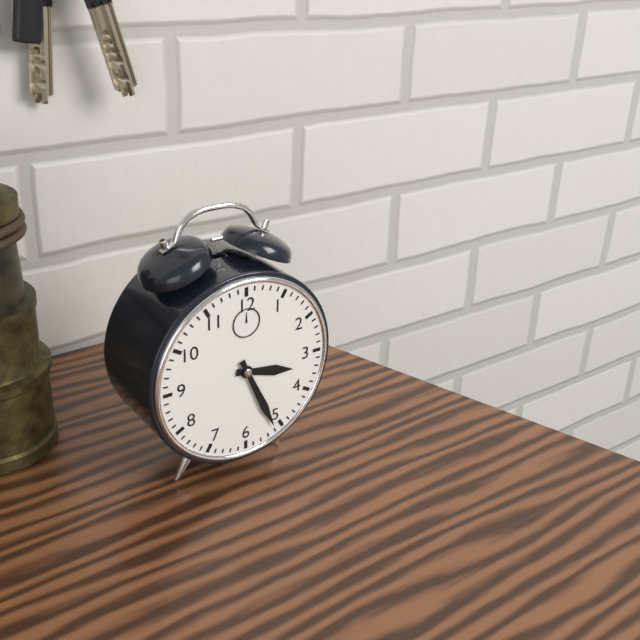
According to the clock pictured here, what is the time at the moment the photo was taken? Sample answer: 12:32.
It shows 3:26
